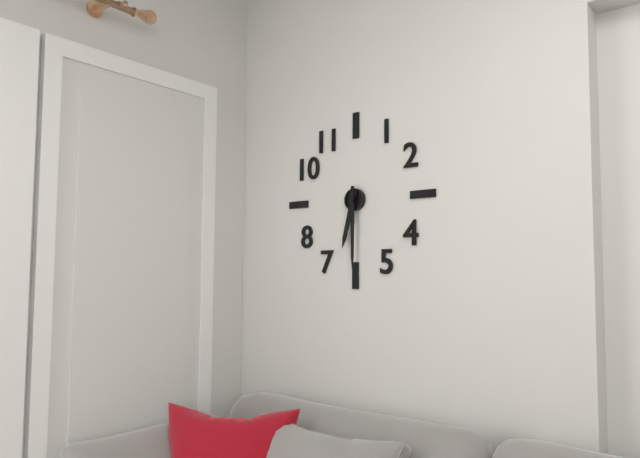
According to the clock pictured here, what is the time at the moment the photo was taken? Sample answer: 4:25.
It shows 6:30
